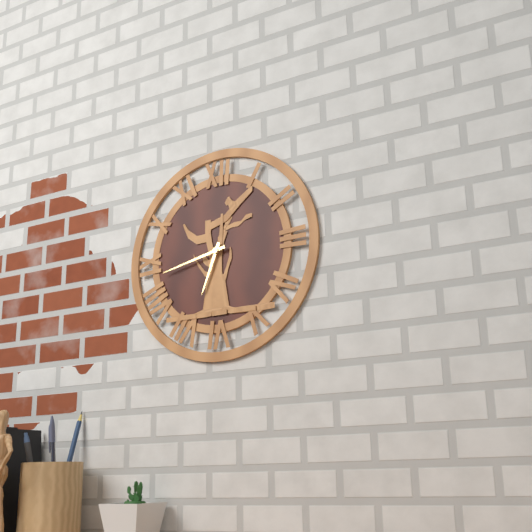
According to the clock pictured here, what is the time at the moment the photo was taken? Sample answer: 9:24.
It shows 6:43
